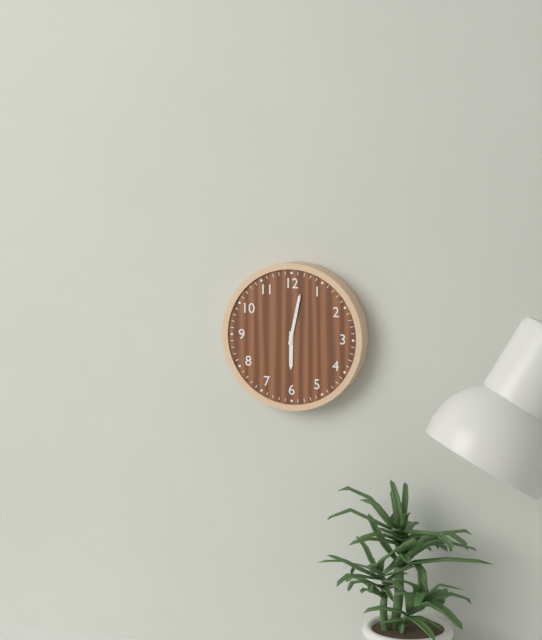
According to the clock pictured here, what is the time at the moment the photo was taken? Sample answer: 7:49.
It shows 6:02
